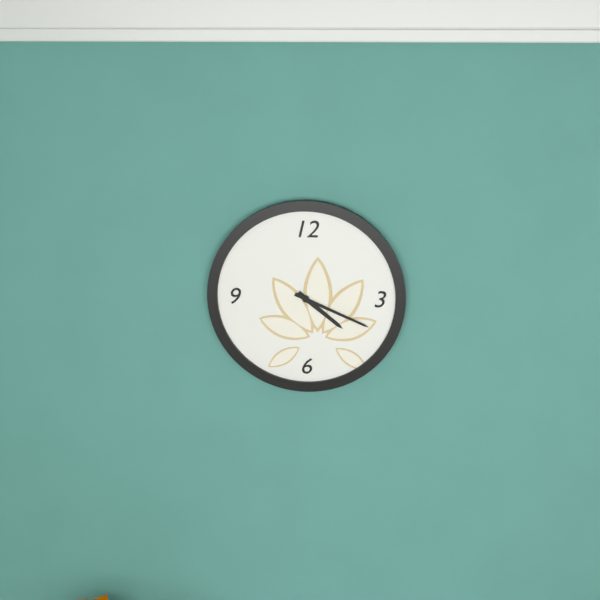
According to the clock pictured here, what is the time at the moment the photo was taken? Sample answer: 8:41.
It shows 4:19
